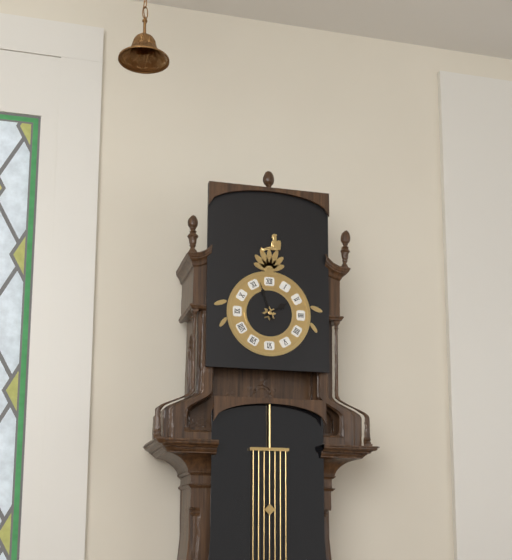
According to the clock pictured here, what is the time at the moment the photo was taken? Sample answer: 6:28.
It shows 1:57
